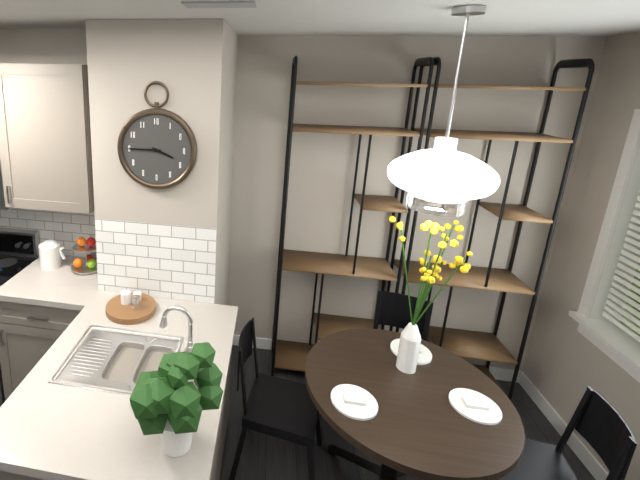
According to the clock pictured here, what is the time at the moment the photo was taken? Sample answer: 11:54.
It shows 3:45
